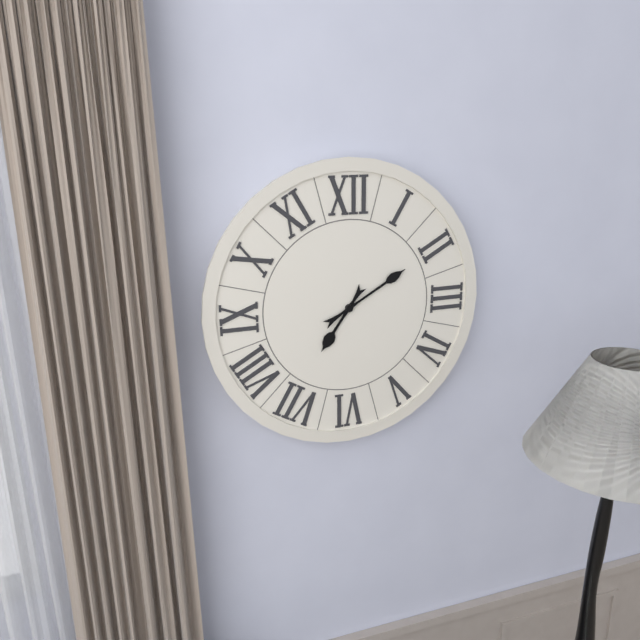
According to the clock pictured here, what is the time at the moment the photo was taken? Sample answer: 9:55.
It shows 7:10
